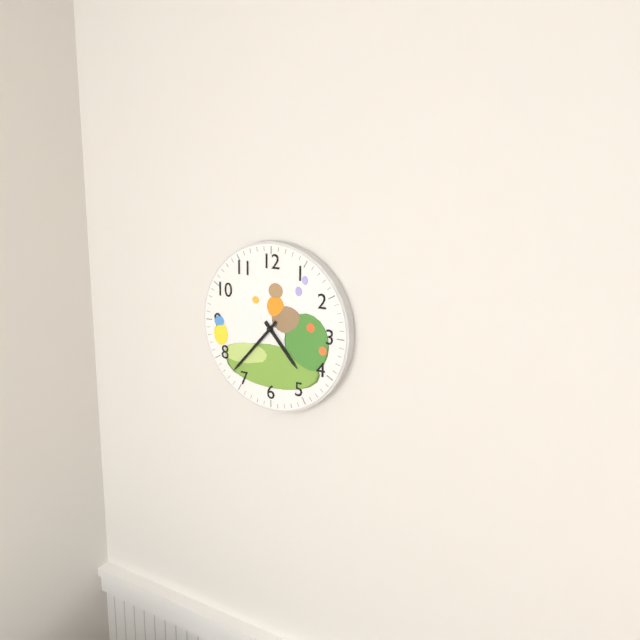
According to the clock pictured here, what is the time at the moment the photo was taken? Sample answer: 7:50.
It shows 4:37
